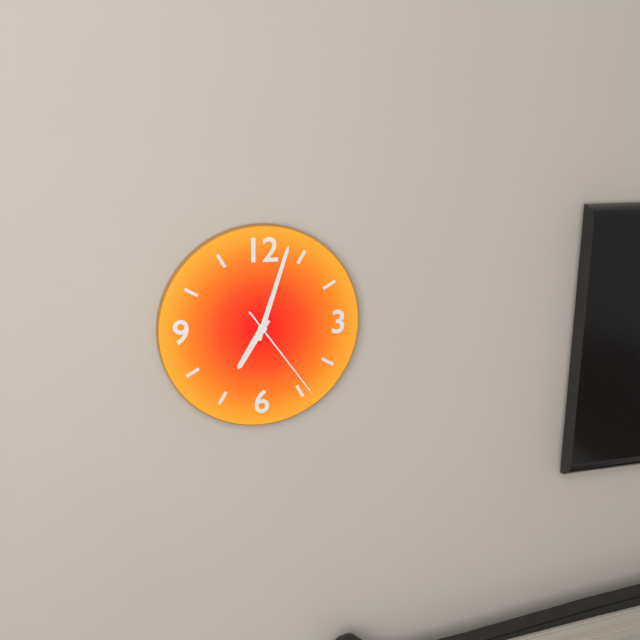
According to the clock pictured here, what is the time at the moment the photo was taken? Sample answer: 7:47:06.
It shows 7:03:24
